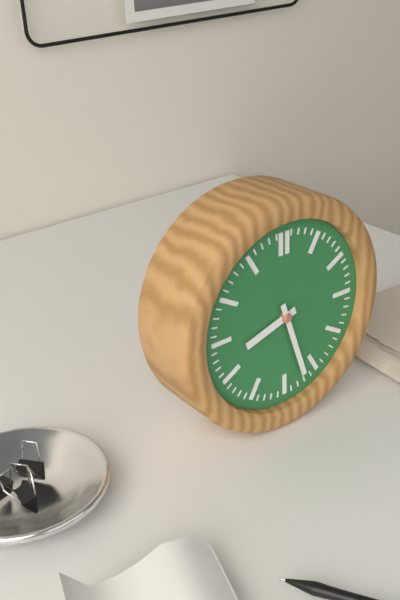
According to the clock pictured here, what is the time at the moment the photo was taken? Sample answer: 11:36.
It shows 8:27
